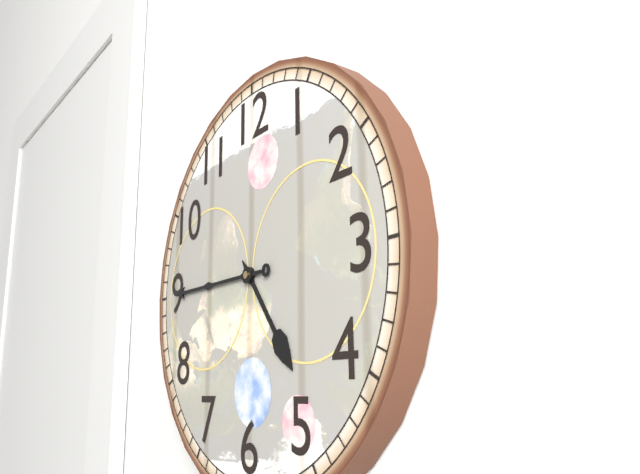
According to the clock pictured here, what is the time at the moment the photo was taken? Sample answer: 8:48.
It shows 4:45
